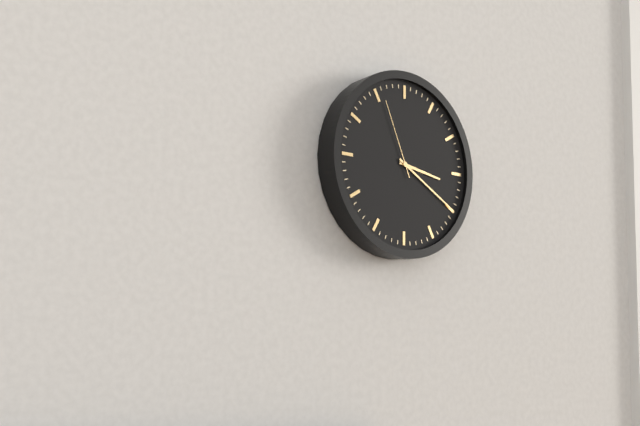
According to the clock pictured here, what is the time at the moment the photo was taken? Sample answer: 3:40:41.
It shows 3:20:56
